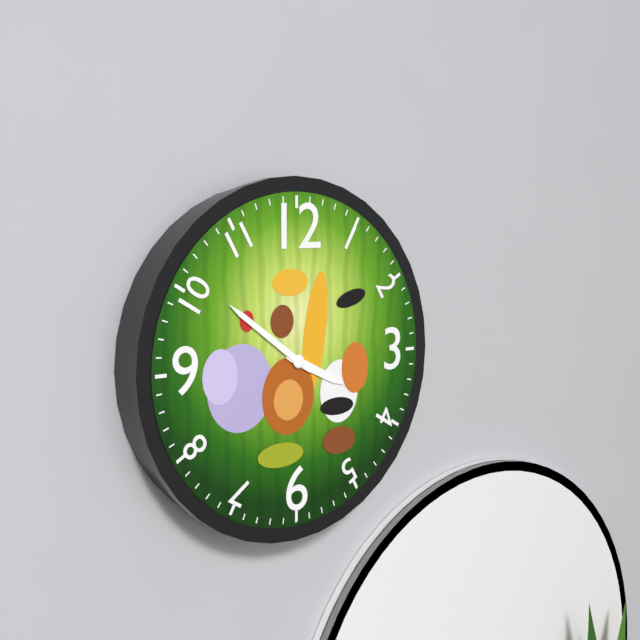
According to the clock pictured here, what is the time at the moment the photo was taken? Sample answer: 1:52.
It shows 3:51
